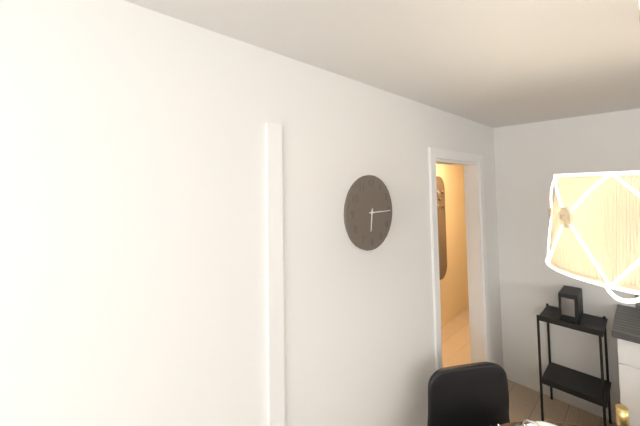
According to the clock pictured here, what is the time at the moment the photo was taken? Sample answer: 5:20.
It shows 6:15
